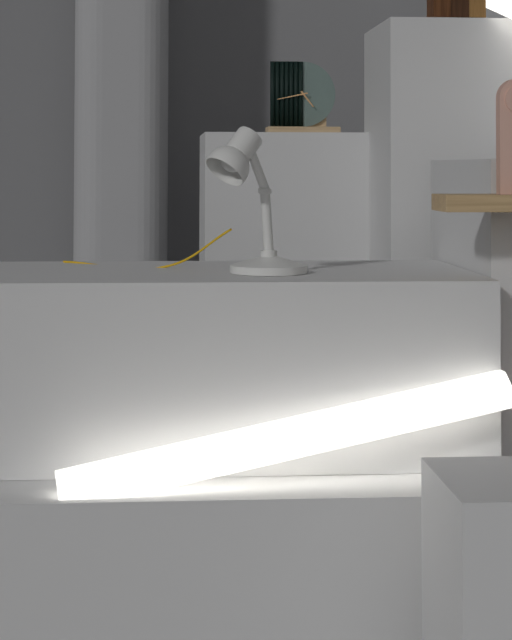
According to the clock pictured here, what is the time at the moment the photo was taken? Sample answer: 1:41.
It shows 4:43
